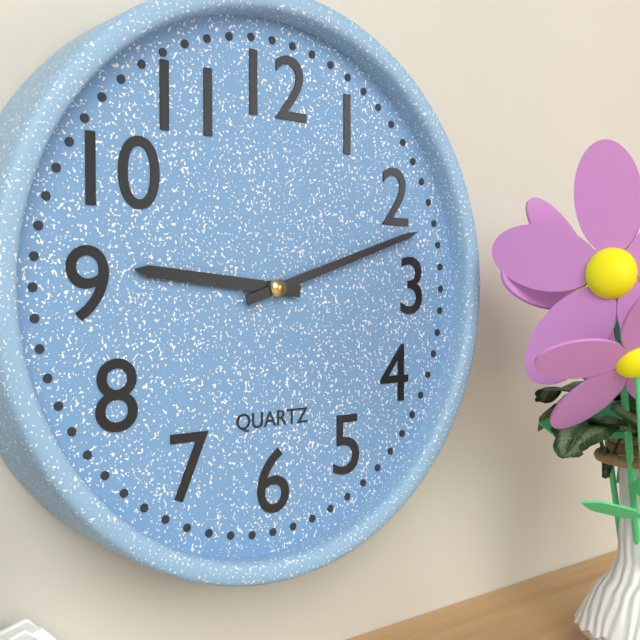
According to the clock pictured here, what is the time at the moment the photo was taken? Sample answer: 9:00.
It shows 9:12
